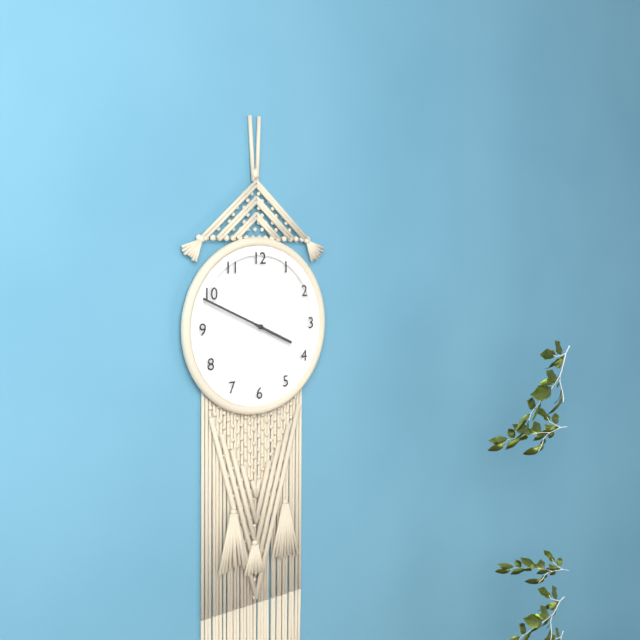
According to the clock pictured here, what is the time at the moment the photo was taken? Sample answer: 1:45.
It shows 3:49
